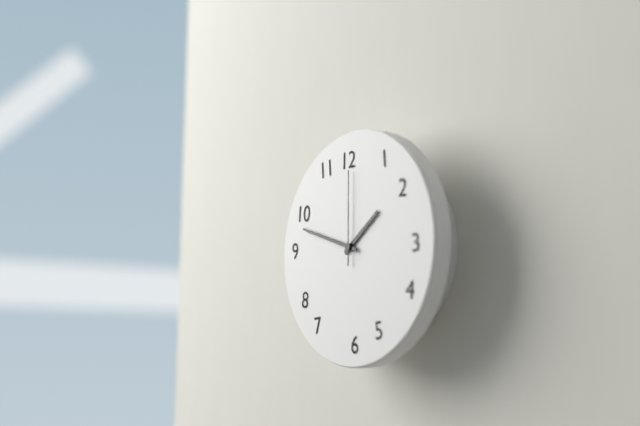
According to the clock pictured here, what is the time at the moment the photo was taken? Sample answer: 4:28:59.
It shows 1:48:00
